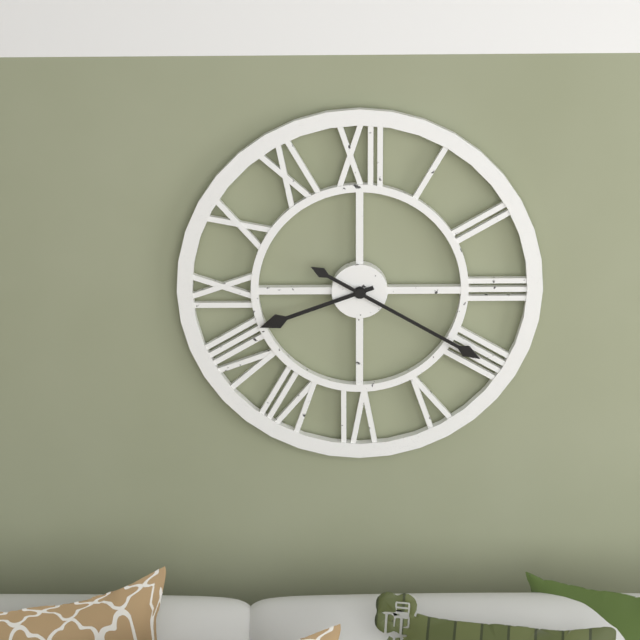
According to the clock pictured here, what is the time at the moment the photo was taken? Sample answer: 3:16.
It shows 8:20
